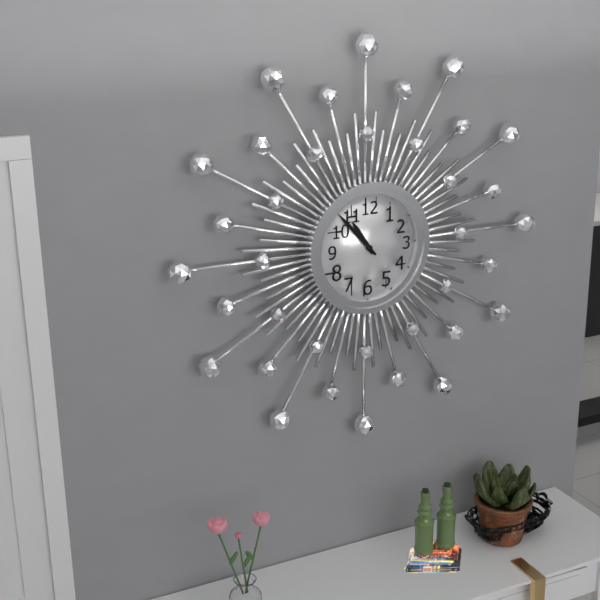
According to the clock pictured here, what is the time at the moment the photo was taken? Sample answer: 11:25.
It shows 10:53
